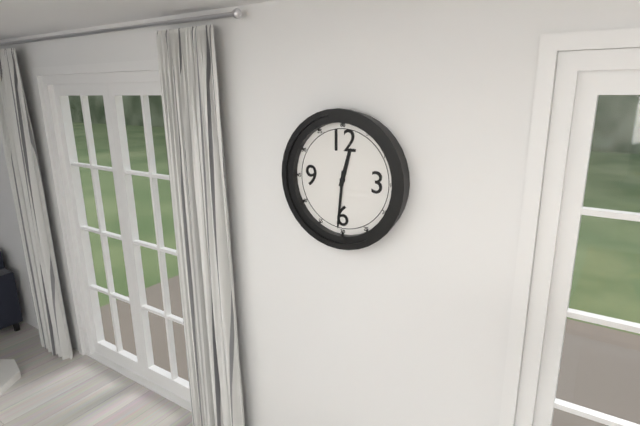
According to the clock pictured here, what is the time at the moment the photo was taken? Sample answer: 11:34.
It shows 12:31
